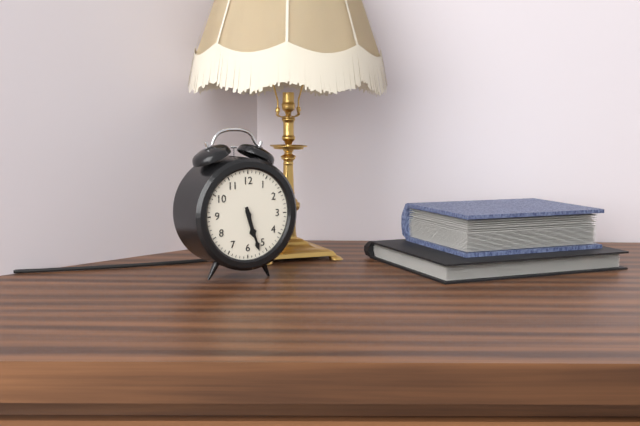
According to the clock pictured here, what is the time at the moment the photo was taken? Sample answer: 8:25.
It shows 5:27
